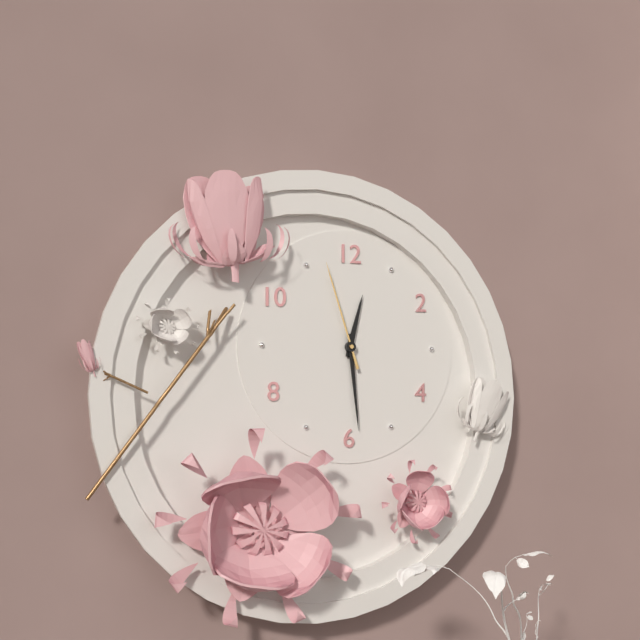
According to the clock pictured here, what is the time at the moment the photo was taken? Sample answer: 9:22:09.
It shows 12:29:57
